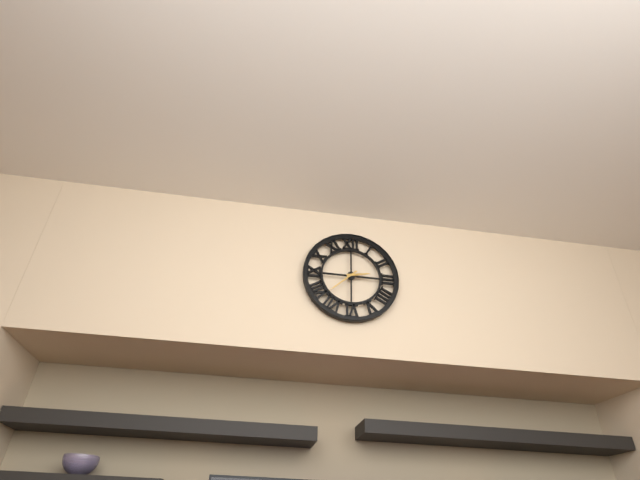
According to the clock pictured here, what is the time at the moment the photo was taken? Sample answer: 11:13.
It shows 2:38
